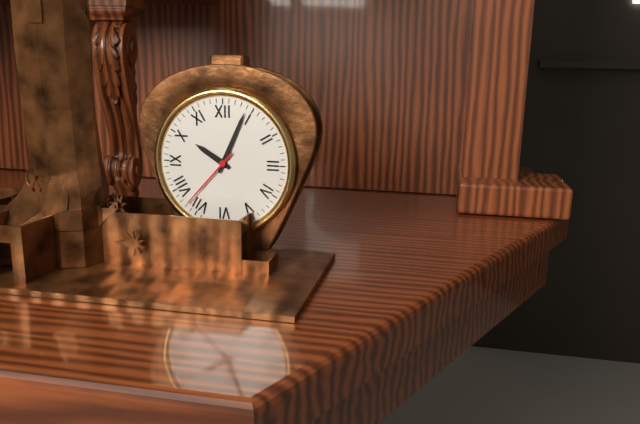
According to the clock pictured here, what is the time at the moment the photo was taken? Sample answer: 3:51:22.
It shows 10:04:37
